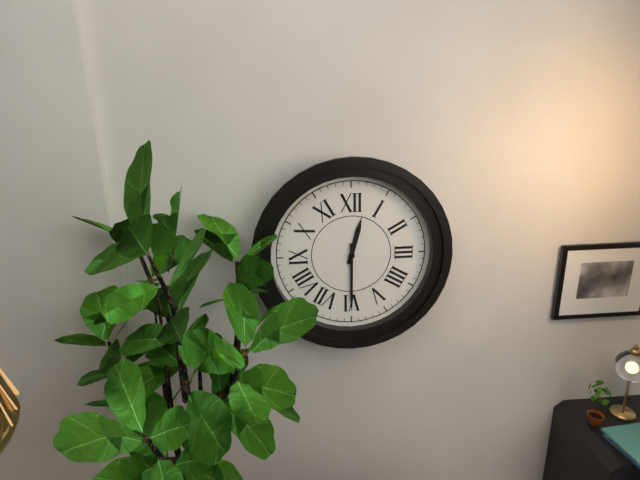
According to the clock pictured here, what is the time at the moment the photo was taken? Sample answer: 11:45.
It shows 12:30
